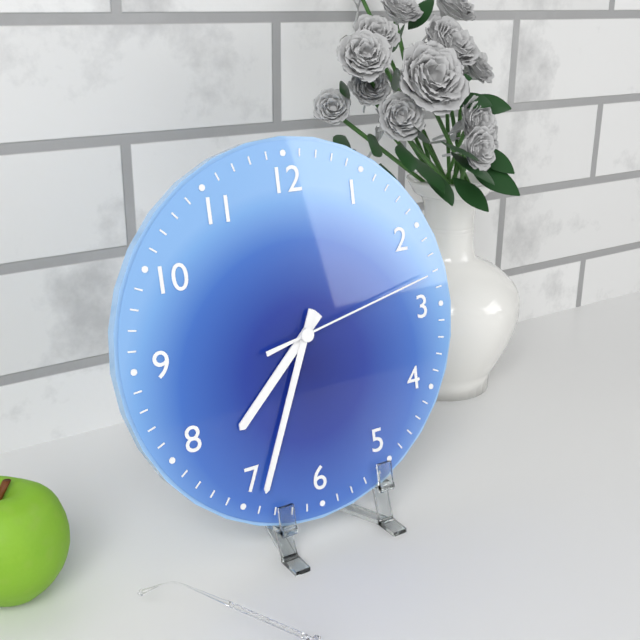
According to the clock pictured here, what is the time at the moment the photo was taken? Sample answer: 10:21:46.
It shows 7:34:13
